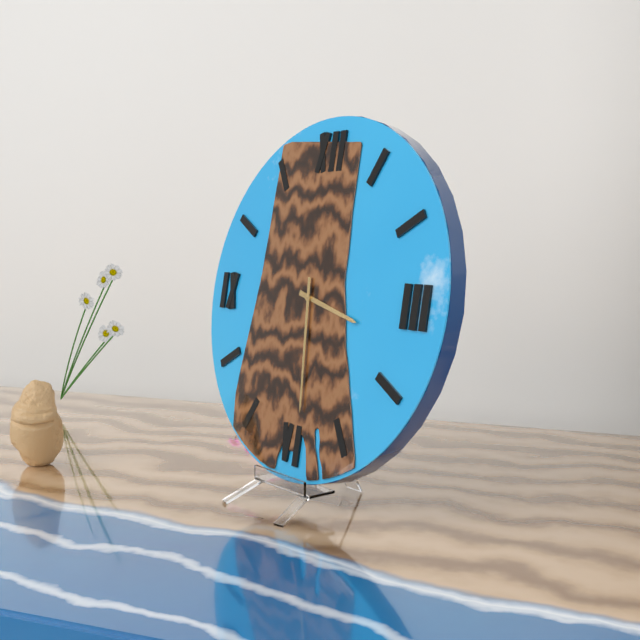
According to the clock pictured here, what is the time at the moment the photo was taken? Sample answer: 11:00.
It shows 3:29
